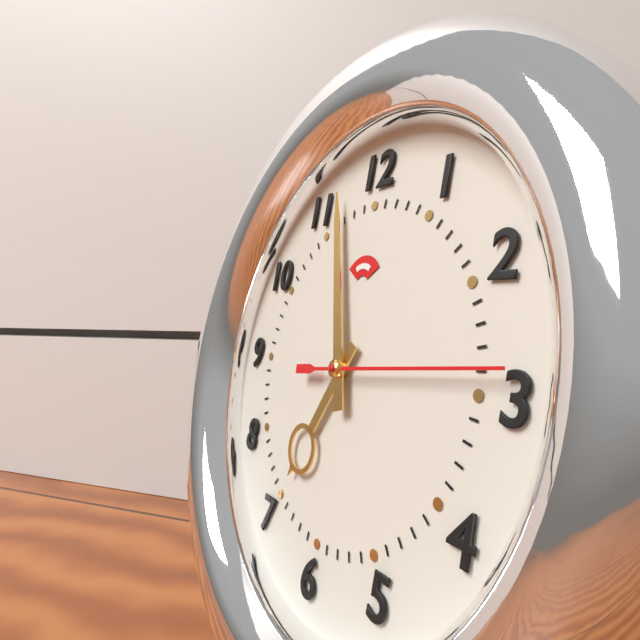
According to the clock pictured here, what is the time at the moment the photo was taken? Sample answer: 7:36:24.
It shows 6:57:14
